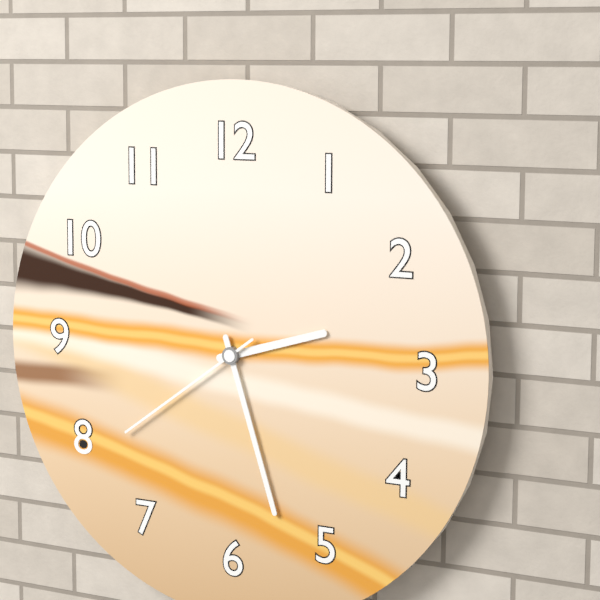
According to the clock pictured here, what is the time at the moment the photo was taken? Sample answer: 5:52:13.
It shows 2:27:39
